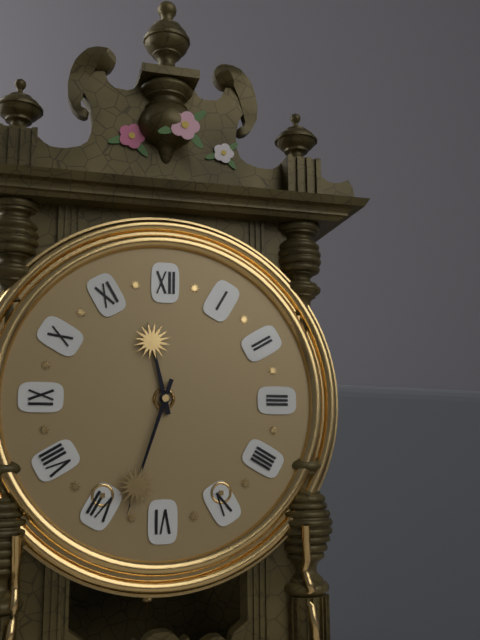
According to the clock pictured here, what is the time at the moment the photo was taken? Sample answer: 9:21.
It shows 11:33
